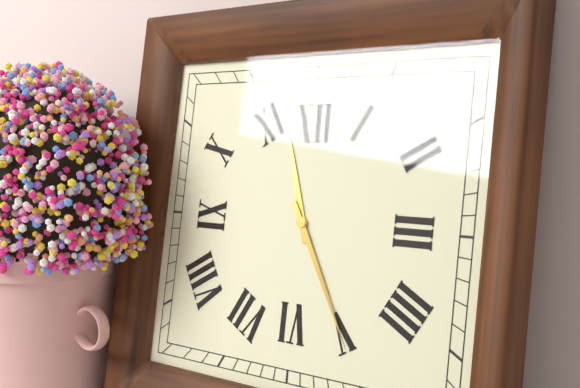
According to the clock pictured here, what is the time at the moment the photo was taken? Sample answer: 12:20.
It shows 11:25
